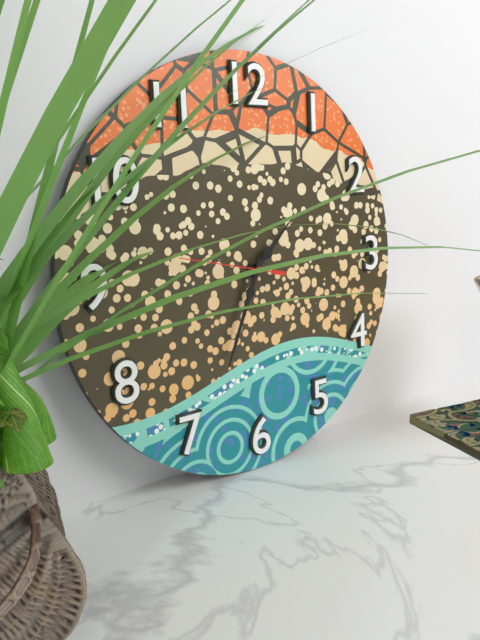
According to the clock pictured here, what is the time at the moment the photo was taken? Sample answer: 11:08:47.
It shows 1:34:47
